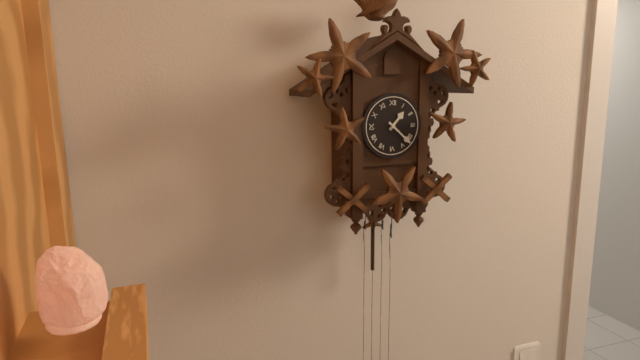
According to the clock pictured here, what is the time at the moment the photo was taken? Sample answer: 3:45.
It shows 1:22
